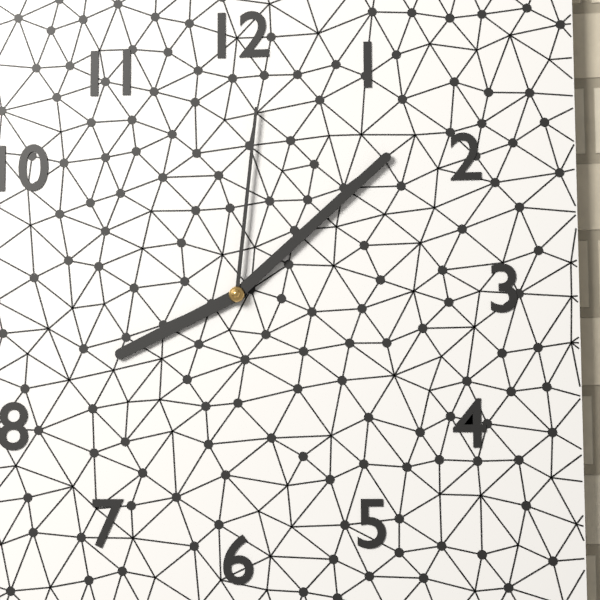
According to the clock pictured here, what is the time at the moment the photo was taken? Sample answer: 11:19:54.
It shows 8:08:01
